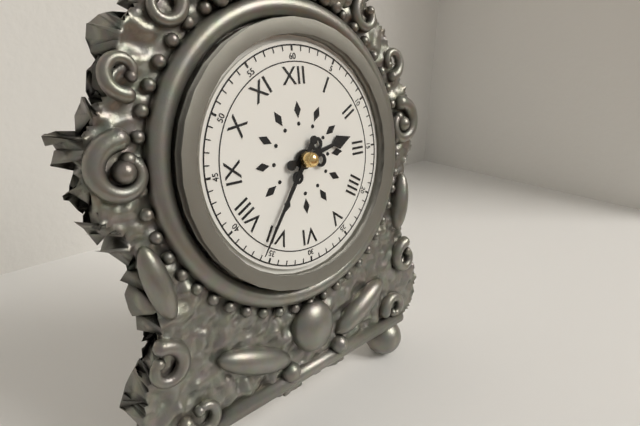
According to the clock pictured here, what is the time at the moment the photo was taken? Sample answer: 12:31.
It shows 2:36
